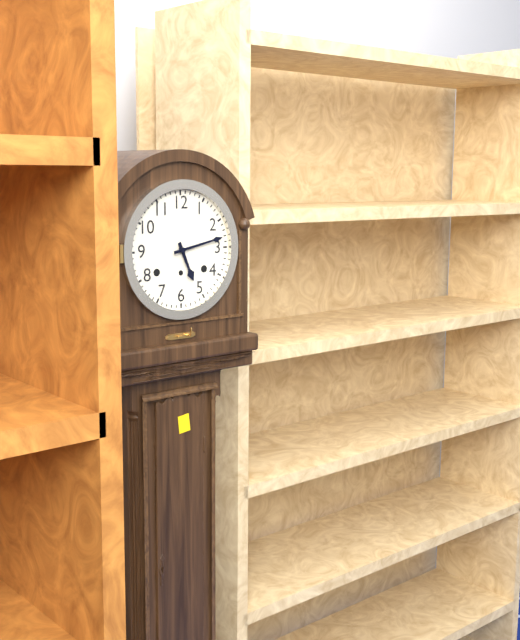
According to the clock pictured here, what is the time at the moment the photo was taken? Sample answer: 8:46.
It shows 5:13
